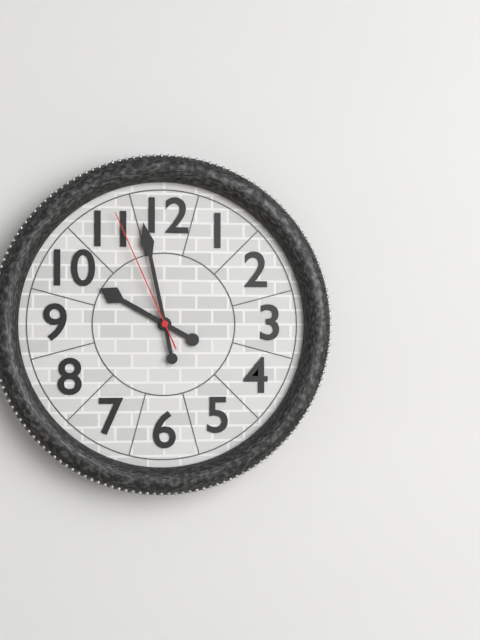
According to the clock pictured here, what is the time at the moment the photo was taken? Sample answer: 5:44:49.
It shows 9:58:56
